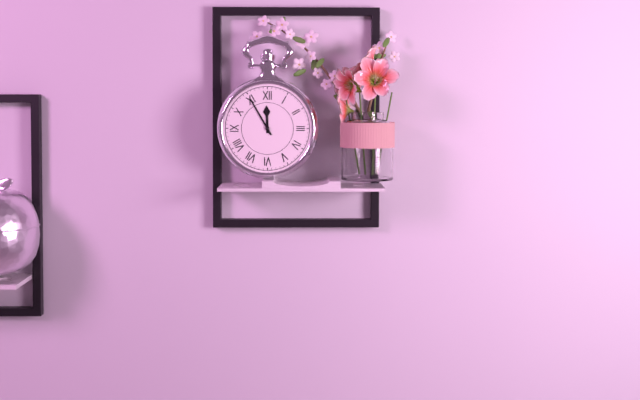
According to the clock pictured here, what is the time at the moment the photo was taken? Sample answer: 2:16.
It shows 11:55
